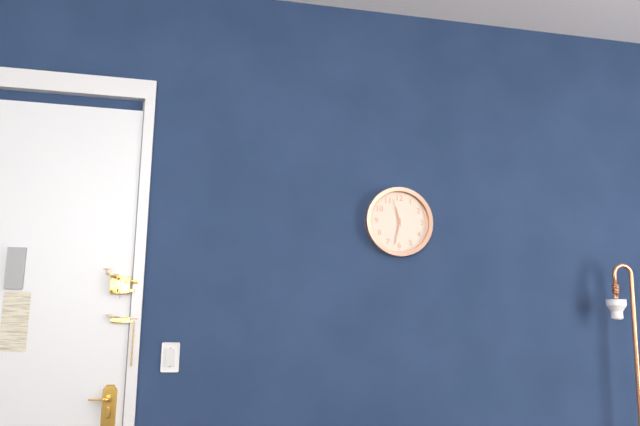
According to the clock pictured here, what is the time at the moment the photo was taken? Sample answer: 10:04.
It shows 11:32
